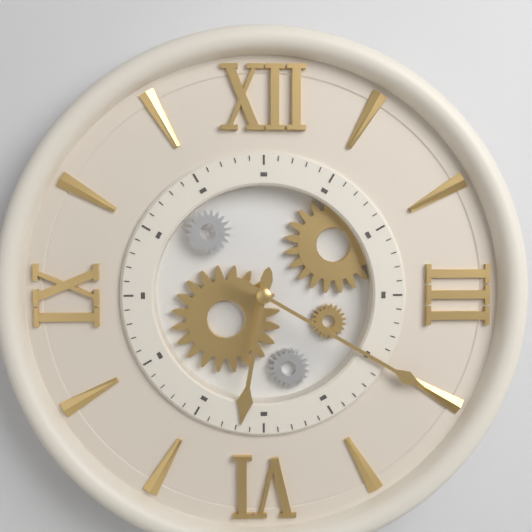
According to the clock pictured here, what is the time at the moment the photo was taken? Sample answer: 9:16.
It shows 6:20
